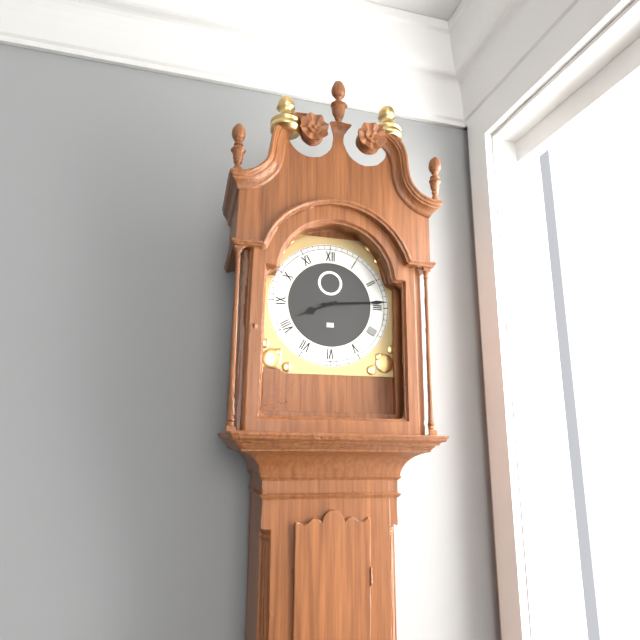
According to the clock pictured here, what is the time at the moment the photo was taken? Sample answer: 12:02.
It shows 8:14
